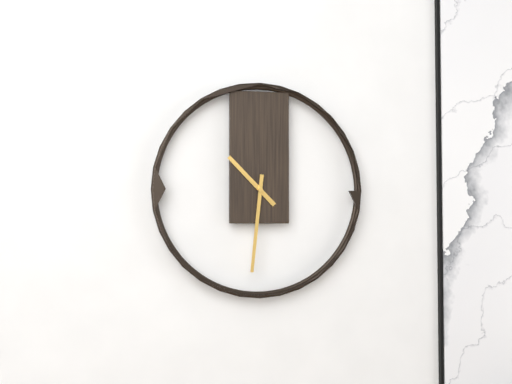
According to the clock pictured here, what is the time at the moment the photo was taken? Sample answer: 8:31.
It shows 10:31
